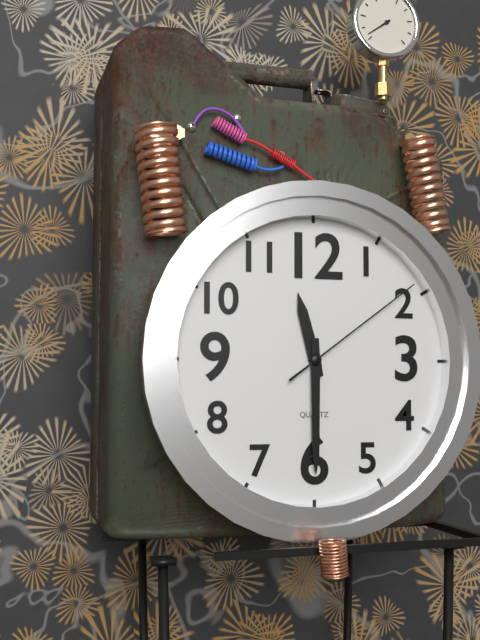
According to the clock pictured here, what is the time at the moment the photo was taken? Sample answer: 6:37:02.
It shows 11:30:09
